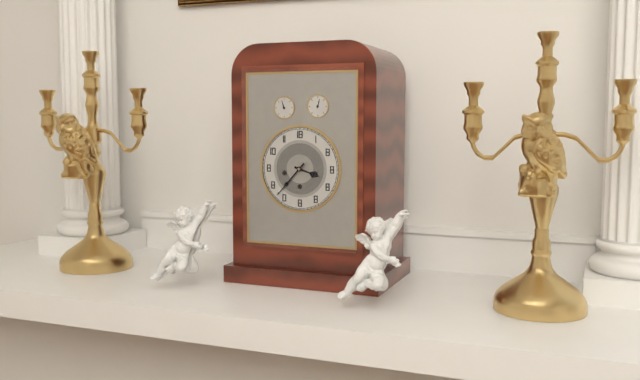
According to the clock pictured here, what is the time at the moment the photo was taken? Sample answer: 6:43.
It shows 3:37
